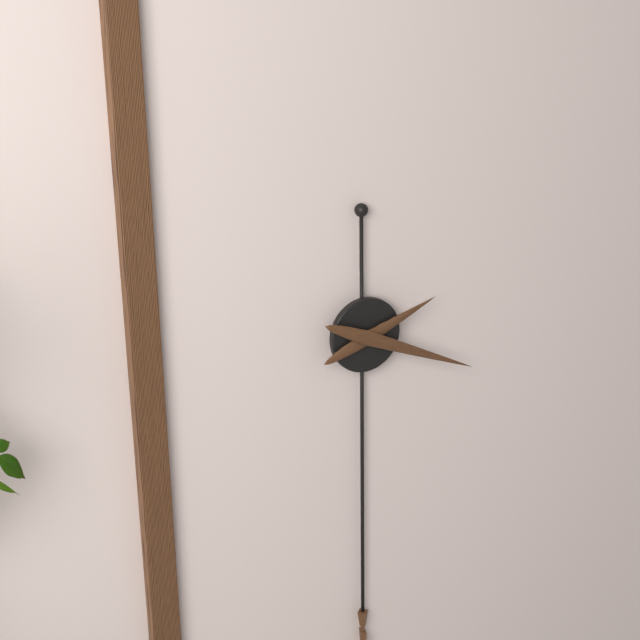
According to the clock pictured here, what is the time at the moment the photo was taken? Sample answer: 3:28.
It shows 2:19
